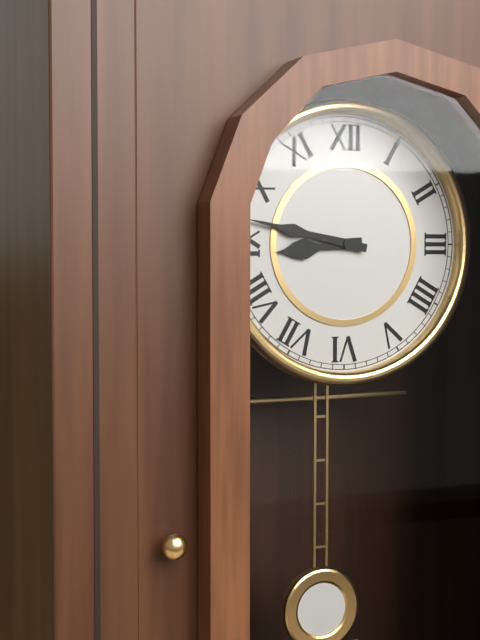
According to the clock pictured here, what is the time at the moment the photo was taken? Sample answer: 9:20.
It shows 8:47
